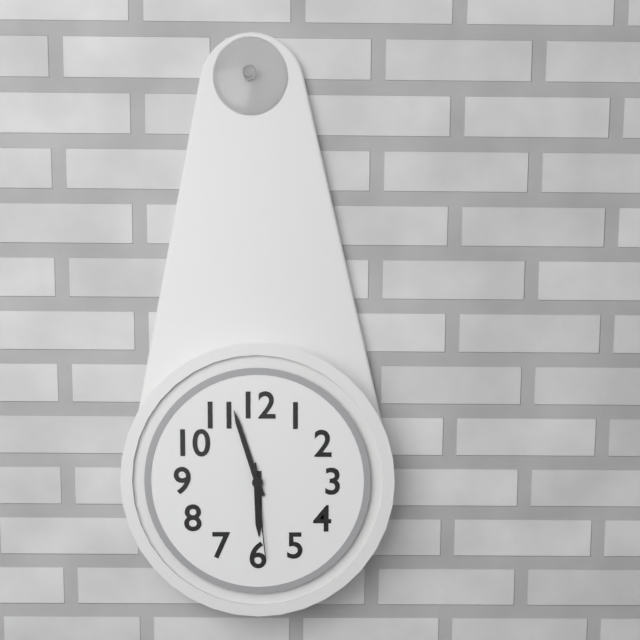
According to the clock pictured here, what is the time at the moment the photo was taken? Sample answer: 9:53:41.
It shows 5:57:29
